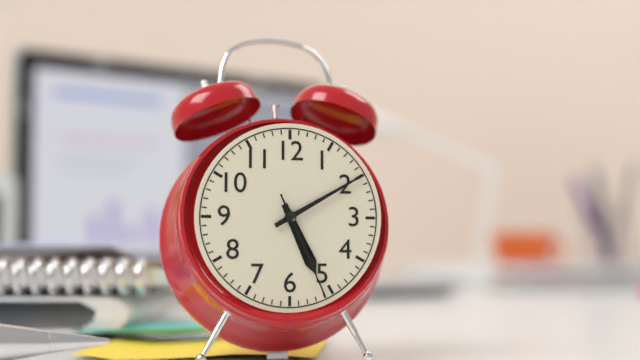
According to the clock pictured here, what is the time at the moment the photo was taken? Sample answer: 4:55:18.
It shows 5:10:26
